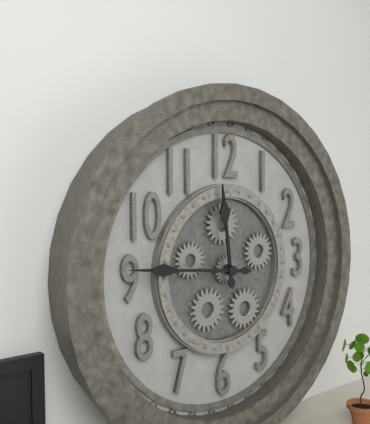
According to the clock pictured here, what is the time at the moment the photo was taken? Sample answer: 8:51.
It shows 11:46
